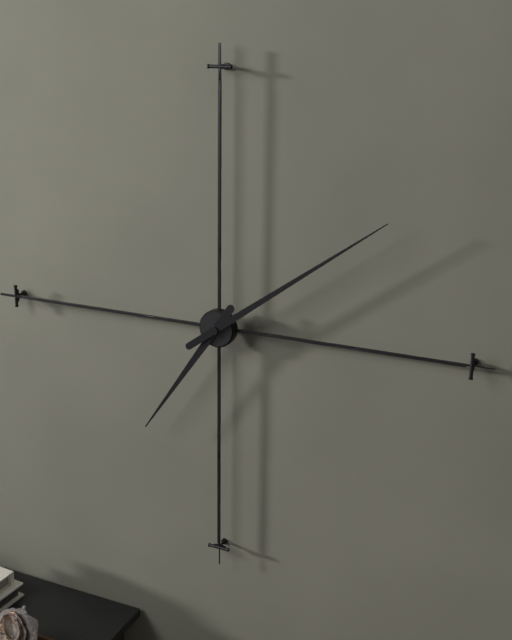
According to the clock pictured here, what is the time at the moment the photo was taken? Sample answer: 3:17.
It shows 7:09
